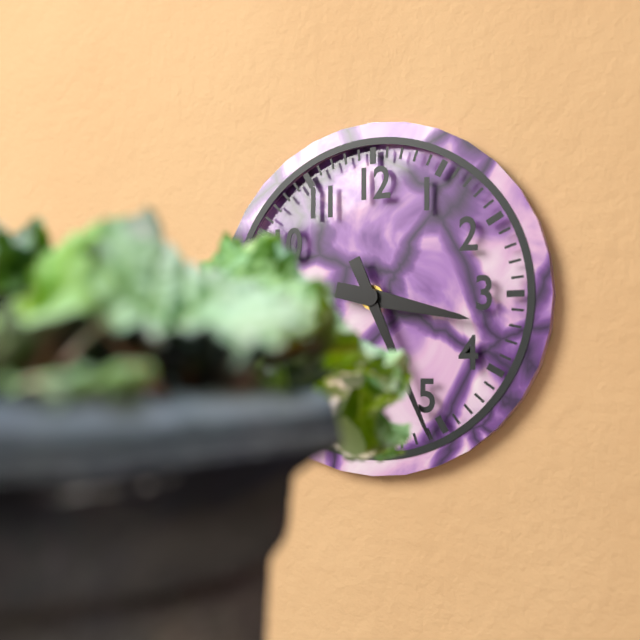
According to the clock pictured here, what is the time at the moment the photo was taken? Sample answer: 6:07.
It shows 3:26
